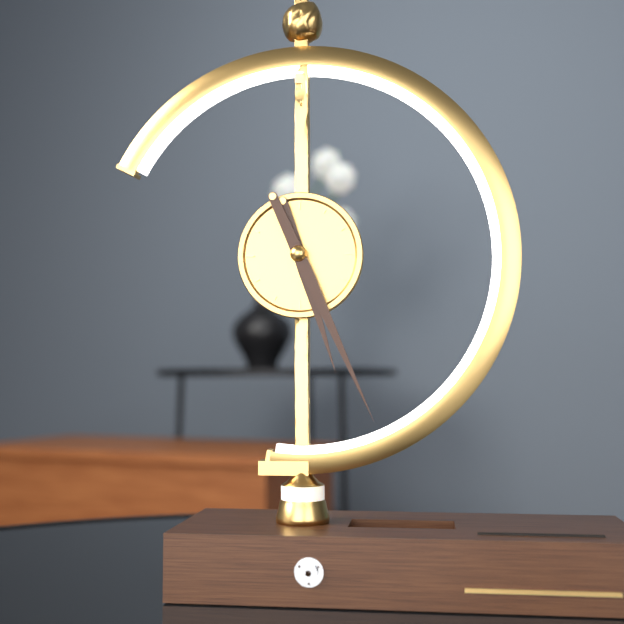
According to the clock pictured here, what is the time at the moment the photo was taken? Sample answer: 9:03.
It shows 5:26
